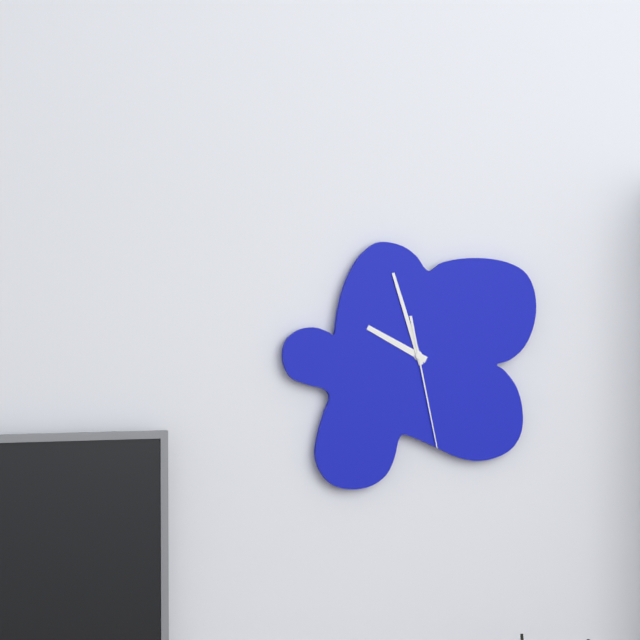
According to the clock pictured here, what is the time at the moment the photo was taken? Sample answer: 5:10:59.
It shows 9:57:28
